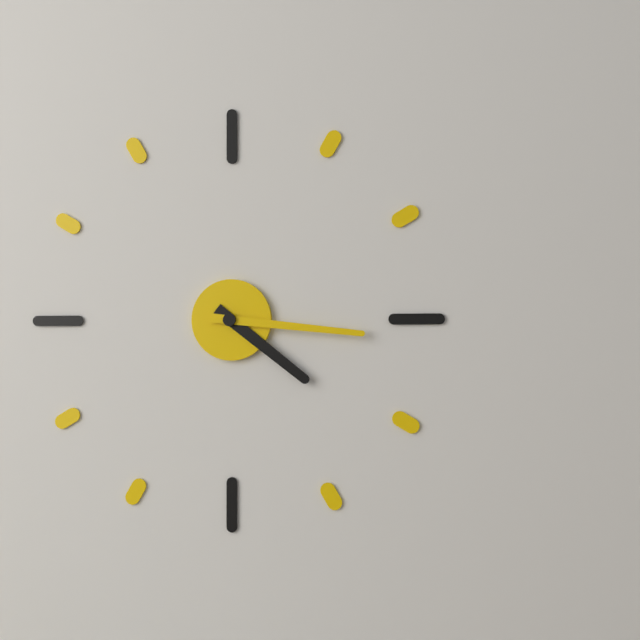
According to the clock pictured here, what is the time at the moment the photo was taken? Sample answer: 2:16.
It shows 4:16
